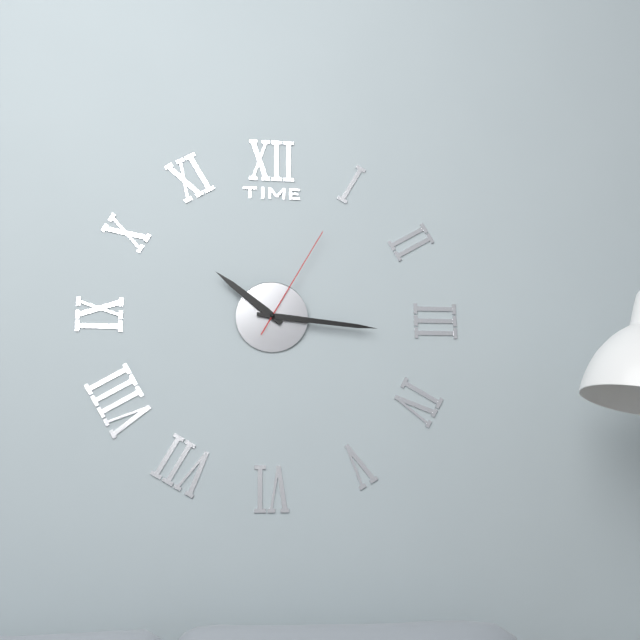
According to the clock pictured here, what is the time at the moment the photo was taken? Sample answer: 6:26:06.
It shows 10:16:05
